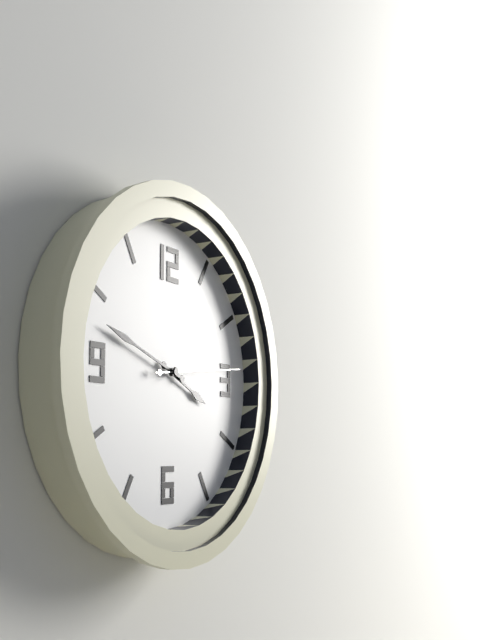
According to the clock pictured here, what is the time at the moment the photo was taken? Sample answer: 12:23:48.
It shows 3:48:14
